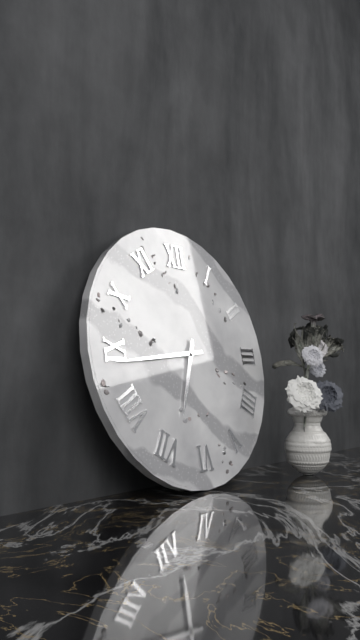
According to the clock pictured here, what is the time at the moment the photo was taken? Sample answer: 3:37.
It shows 6:44
